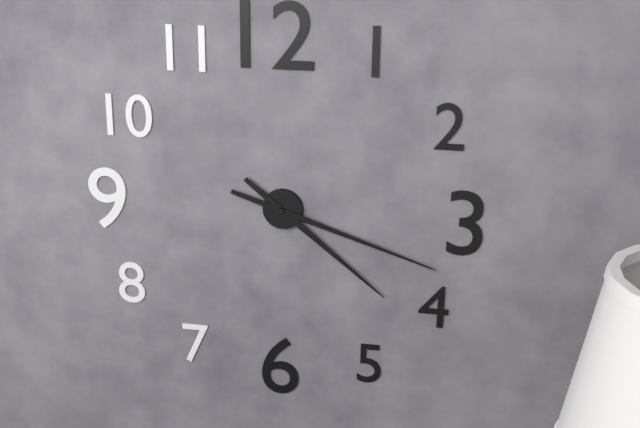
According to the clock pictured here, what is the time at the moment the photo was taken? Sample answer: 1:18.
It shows 4:18
